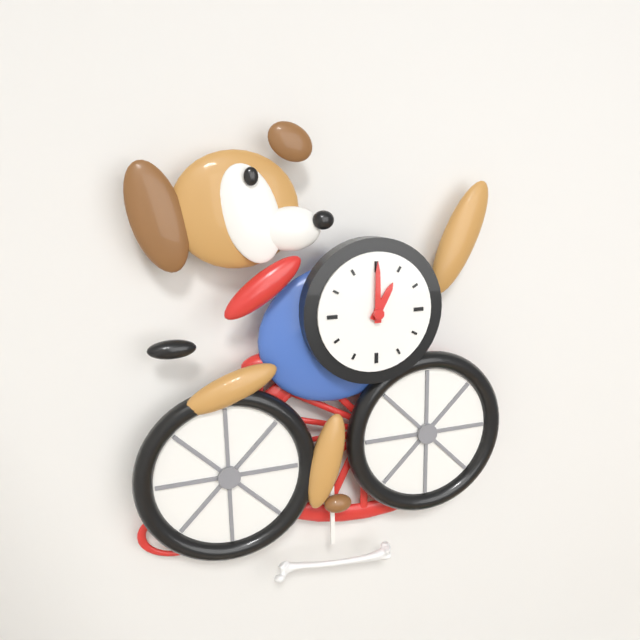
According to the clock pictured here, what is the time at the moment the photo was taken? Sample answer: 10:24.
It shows 1:00
